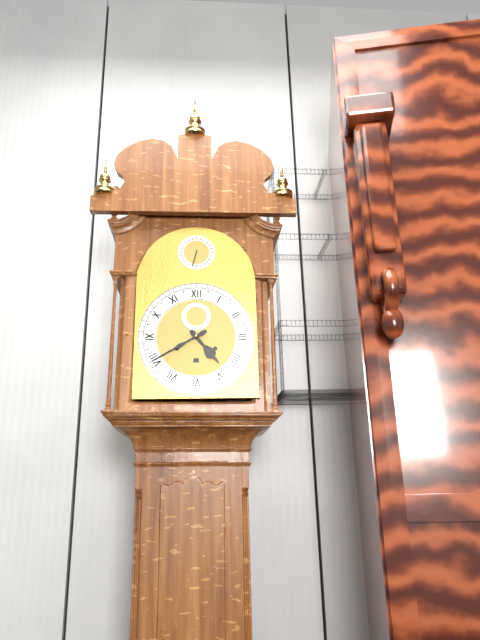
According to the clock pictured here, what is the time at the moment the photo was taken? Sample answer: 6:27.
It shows 4:40
